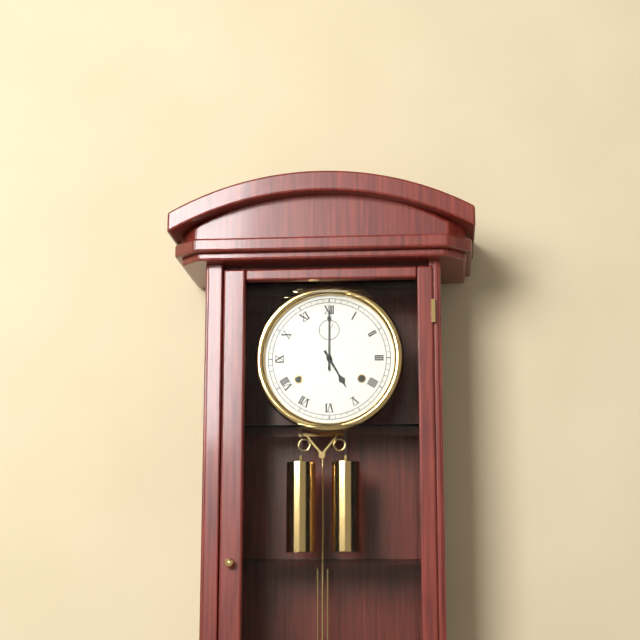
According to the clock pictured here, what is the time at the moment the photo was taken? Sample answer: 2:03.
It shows 5:00
